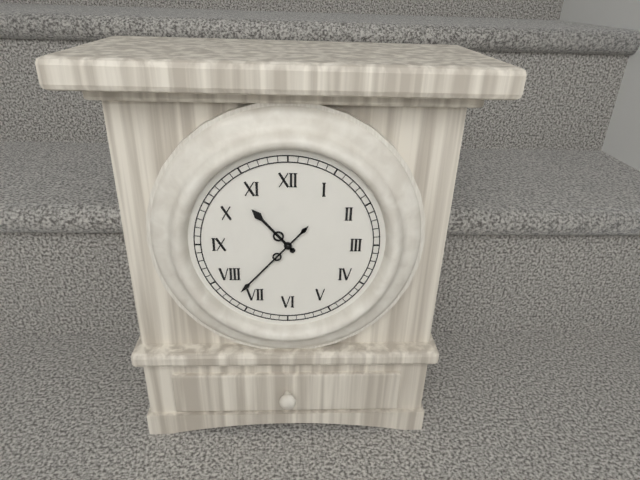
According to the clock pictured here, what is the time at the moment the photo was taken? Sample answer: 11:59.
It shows 10:37
